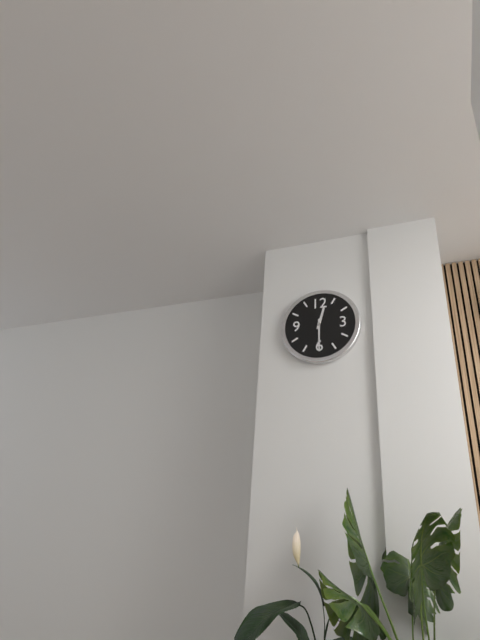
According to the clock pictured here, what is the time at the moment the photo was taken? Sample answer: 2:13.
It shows 12:30
